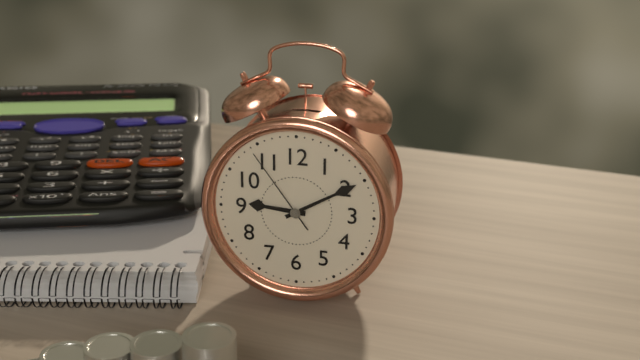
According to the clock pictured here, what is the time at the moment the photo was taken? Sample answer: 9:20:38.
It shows 9:10:54
